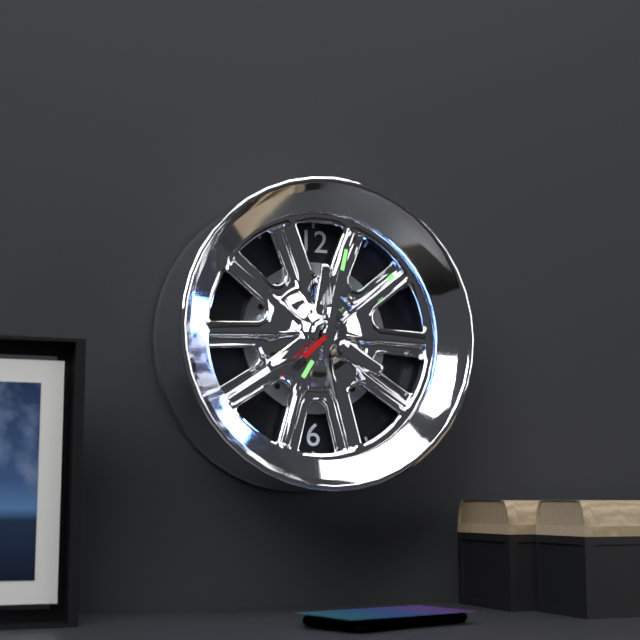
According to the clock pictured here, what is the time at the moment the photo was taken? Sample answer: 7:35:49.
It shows 7:02:08
